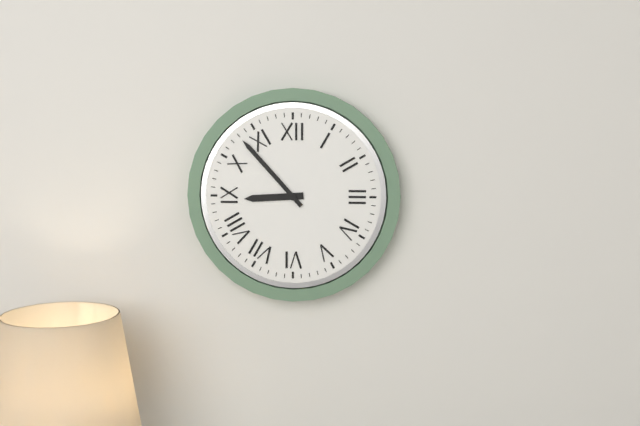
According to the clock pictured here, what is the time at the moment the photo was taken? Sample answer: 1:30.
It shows 8:53
